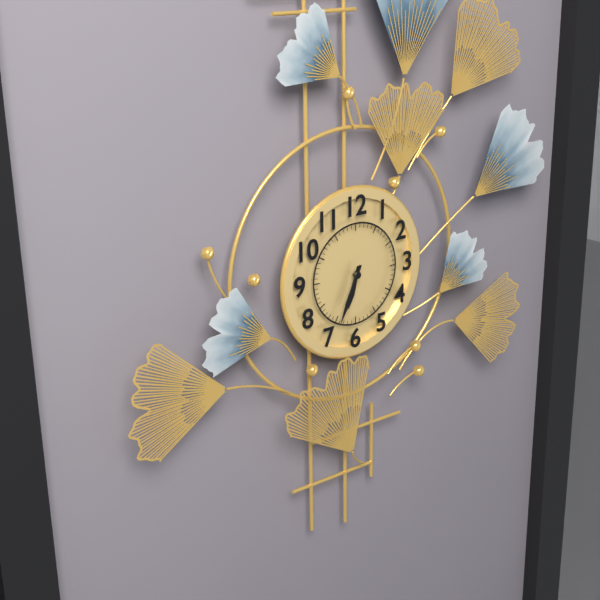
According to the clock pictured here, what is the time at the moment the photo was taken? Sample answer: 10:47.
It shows 6:34
